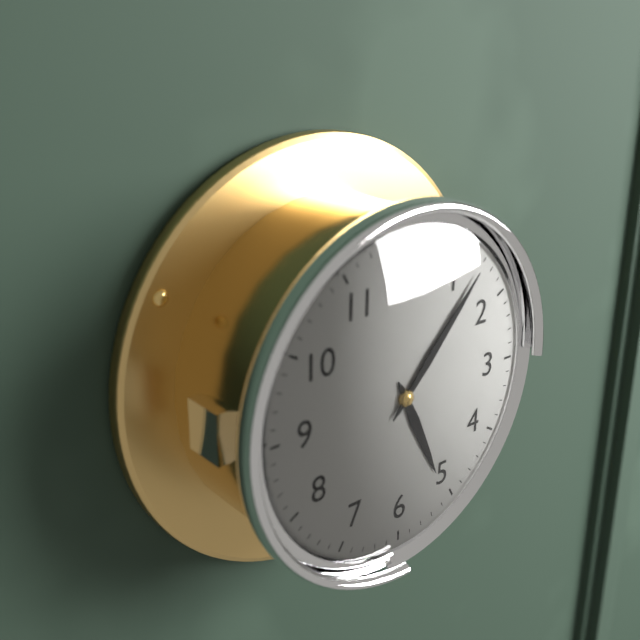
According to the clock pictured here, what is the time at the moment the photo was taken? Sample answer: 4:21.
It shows 5:07
